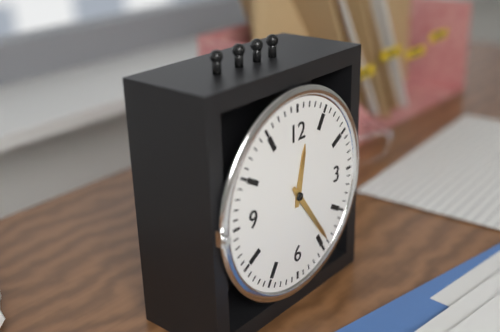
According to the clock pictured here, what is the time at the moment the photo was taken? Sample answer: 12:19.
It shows 12:24
